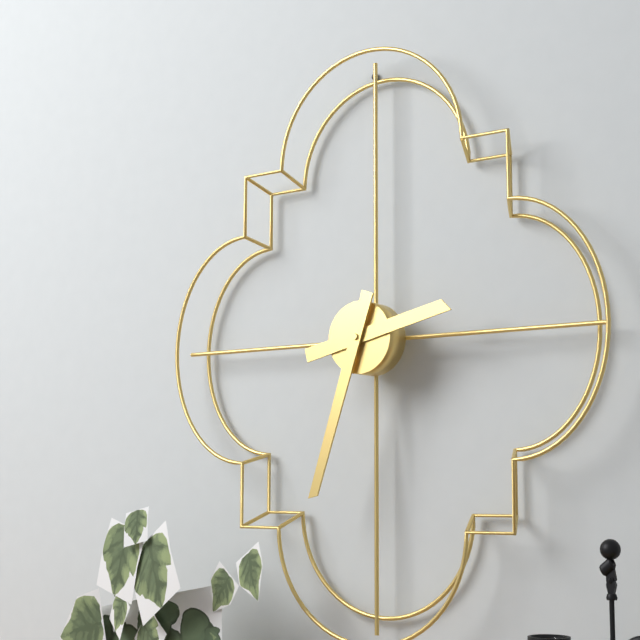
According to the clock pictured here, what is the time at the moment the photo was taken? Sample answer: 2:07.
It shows 2:33
